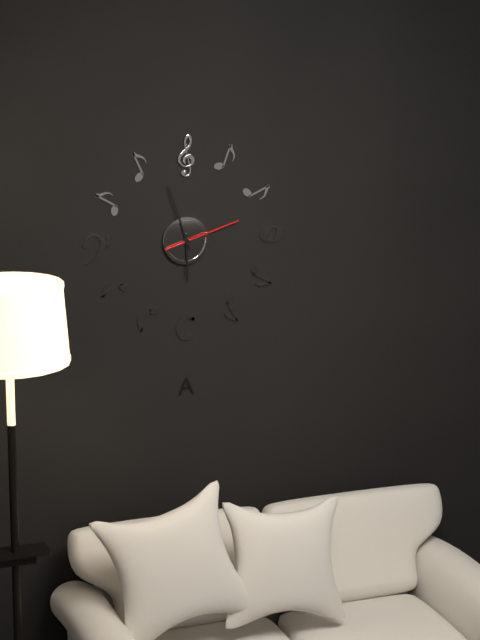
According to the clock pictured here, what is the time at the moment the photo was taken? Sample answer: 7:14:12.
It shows 5:57:12
